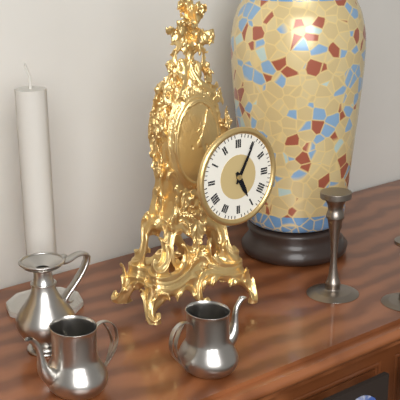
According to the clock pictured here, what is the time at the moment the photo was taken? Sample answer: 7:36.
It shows 5:05
